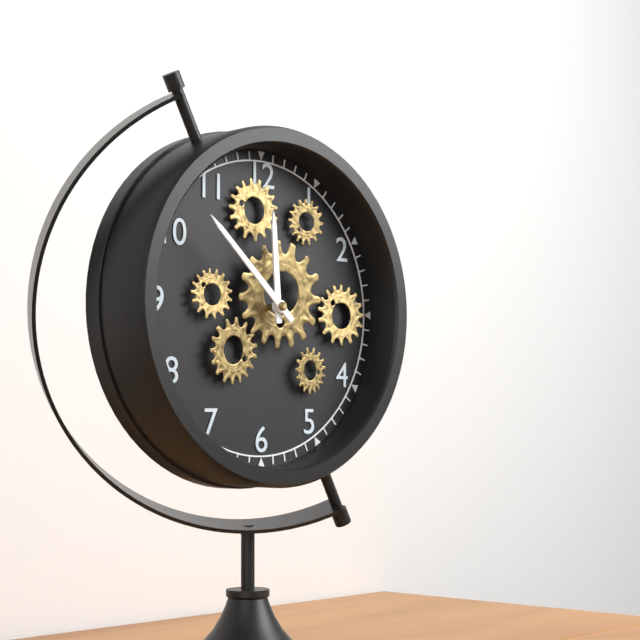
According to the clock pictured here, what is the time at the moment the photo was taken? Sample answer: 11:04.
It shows 11:52
